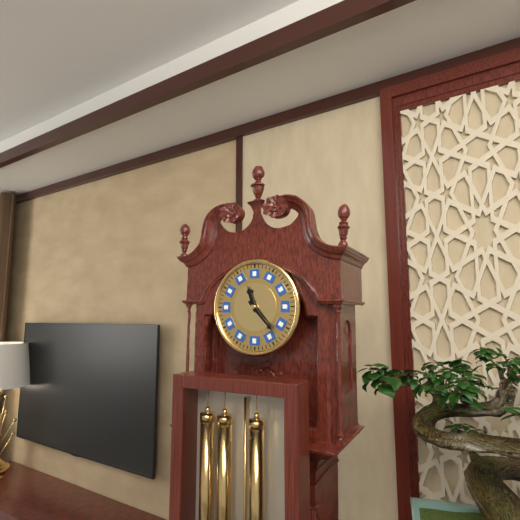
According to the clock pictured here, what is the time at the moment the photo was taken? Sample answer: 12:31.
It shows 11:23
